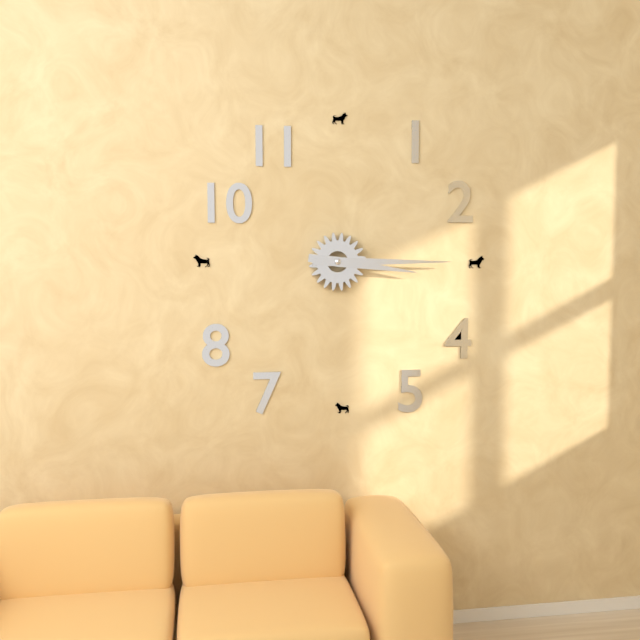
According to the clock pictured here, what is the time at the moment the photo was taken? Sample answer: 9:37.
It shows 3:15
